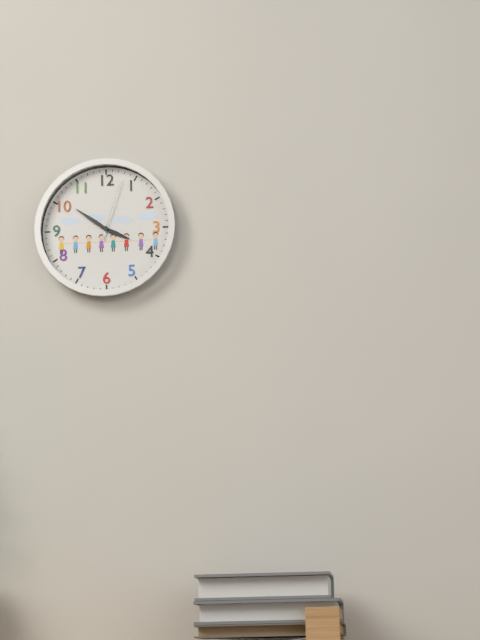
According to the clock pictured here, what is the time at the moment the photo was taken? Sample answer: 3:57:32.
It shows 3:51:03
